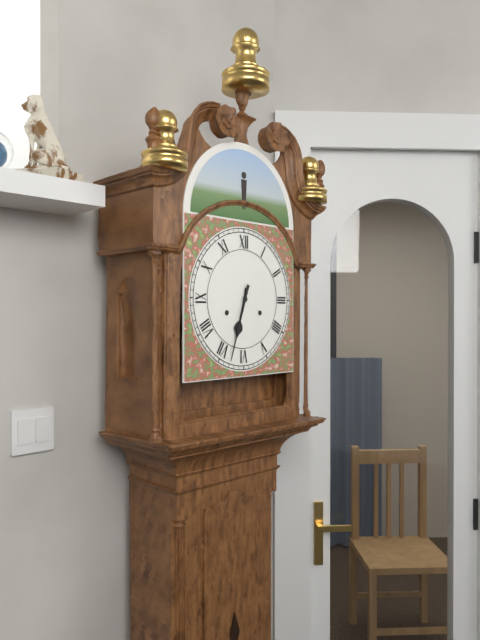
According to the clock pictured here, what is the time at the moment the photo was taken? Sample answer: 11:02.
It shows 6:33
